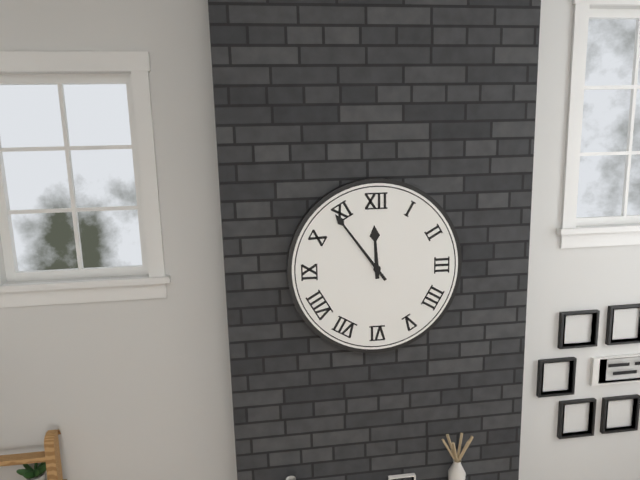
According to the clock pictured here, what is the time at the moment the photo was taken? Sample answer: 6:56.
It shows 11:54
